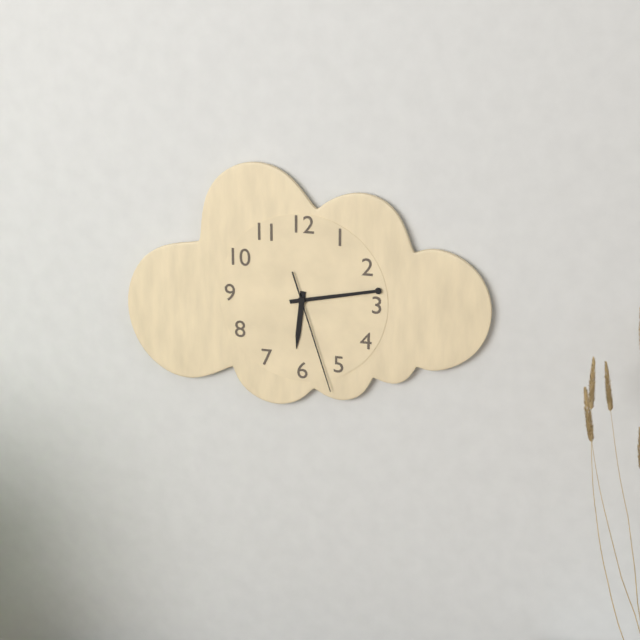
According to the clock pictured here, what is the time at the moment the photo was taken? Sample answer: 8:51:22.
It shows 6:13:27
